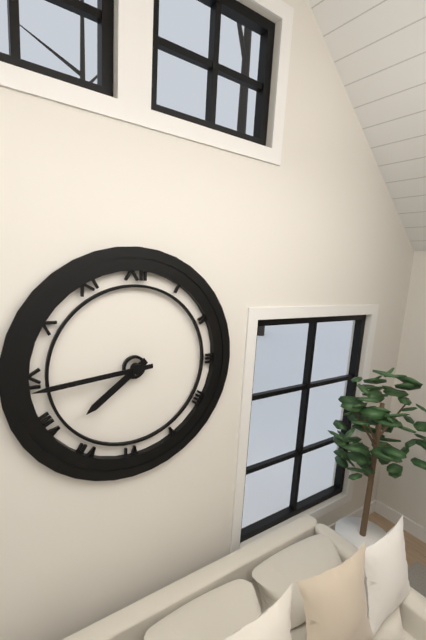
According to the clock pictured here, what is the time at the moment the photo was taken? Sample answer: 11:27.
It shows 7:44
